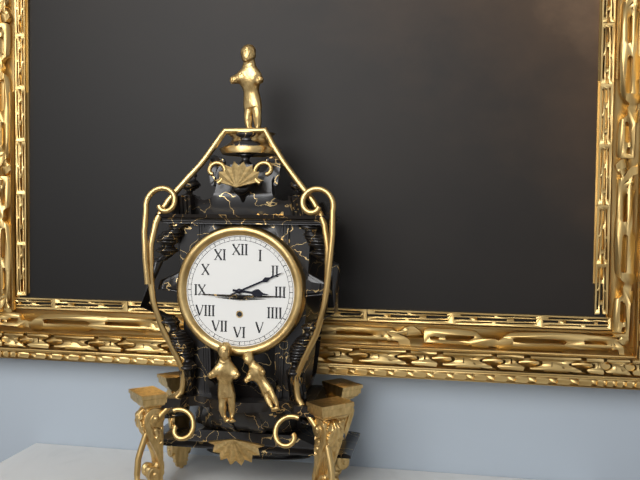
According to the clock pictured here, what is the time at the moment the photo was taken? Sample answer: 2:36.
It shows 3:11
